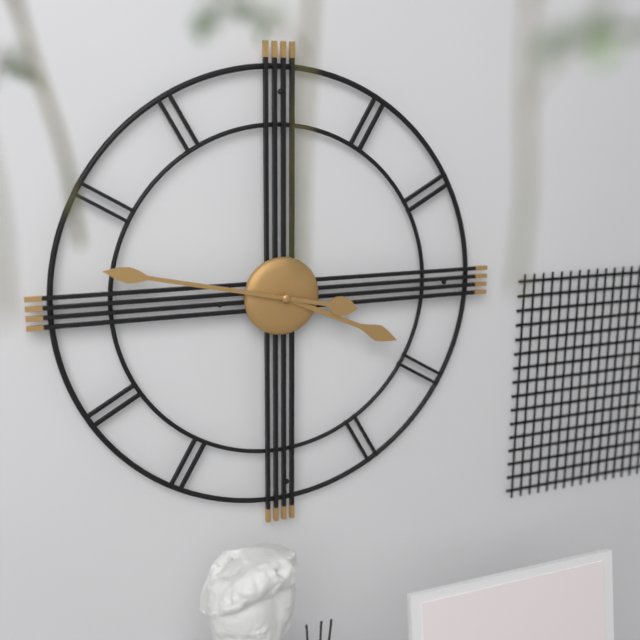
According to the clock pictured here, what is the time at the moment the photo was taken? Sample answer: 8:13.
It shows 3:47
